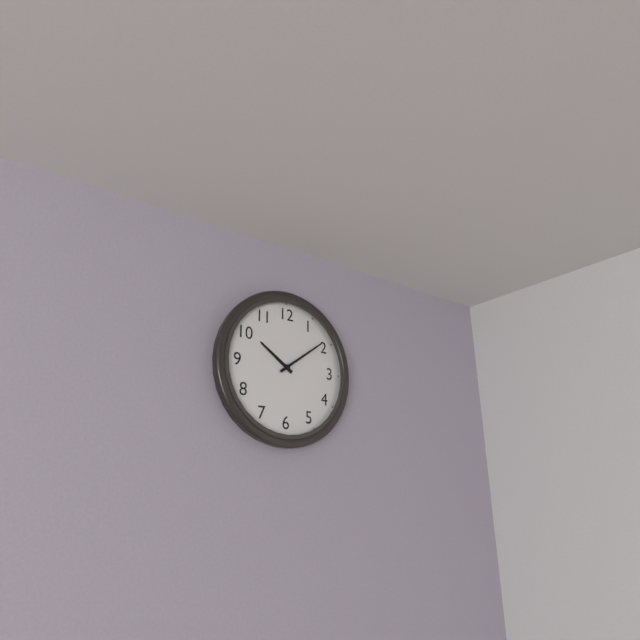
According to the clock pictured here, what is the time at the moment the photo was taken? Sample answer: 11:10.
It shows 10:09
